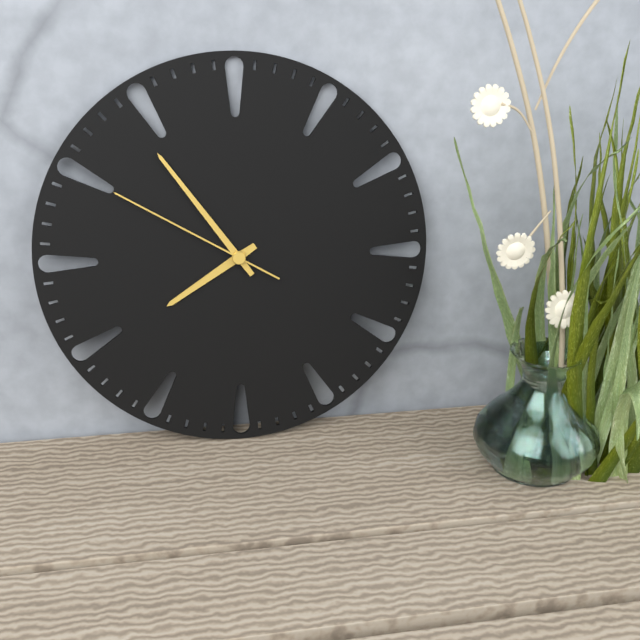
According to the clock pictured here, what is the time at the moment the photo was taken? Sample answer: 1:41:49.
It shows 7:54:50
